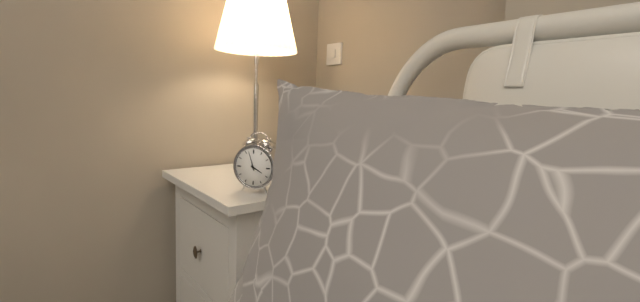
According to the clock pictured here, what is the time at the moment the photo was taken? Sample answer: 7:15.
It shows 3:57
